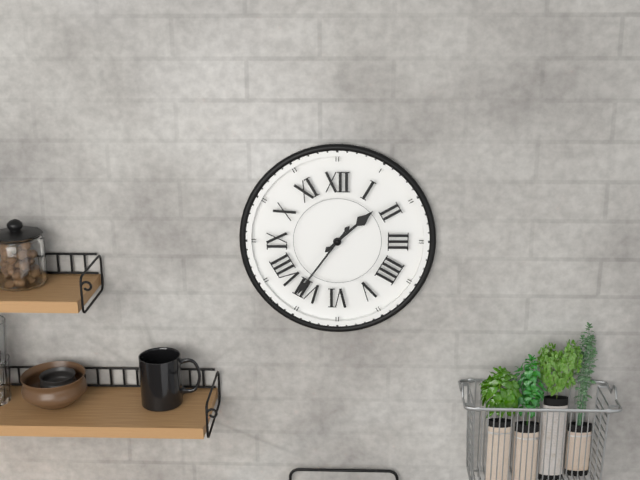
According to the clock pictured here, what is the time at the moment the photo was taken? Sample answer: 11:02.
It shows 1:36
